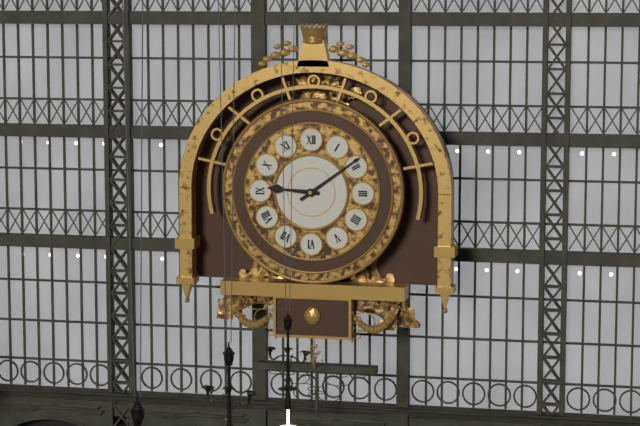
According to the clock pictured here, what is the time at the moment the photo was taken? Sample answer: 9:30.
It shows 9:09
